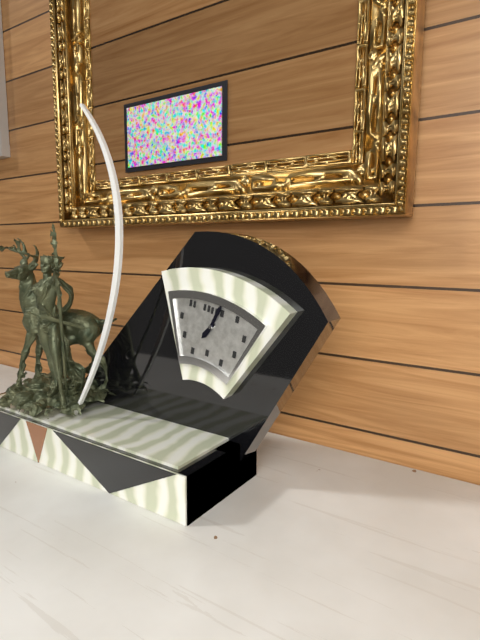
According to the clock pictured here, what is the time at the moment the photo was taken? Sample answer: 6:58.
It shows 7:03
